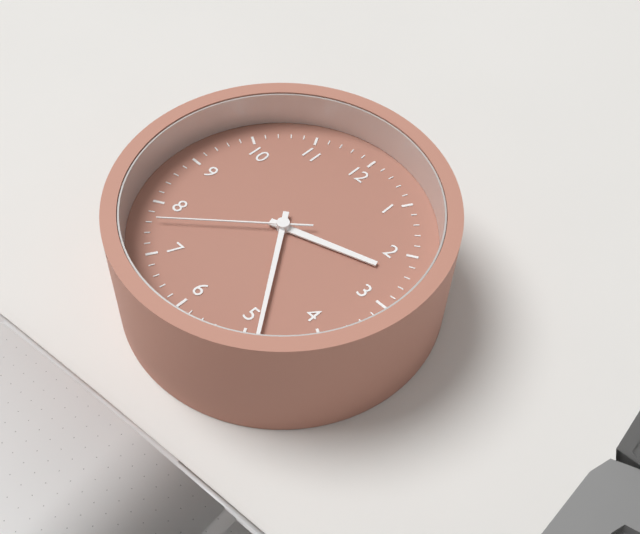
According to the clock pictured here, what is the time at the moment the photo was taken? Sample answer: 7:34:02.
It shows 2:24:38
